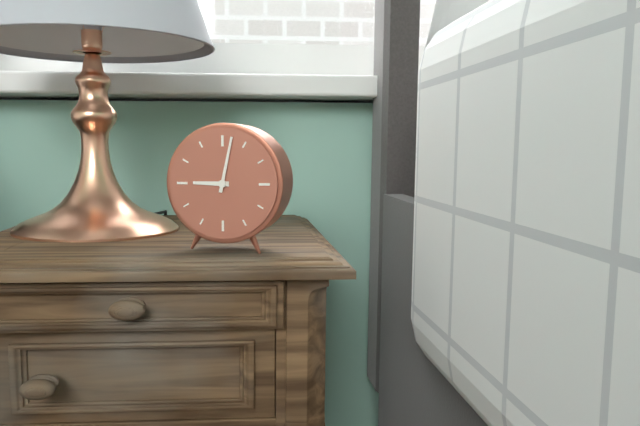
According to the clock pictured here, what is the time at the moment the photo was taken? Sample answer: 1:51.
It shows 9:02
